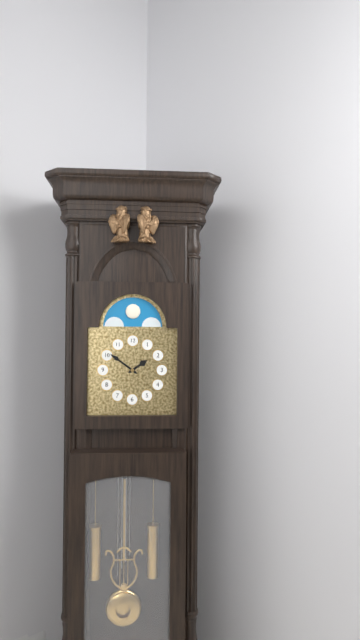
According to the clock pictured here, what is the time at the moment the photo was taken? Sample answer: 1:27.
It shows 1:51
